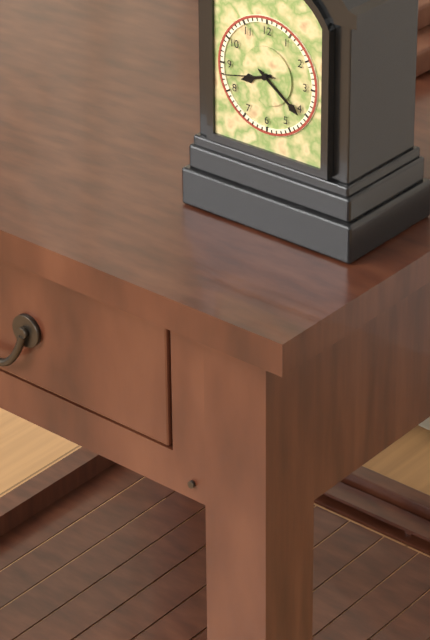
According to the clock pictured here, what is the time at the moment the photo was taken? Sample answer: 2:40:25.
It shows 8:21:43
